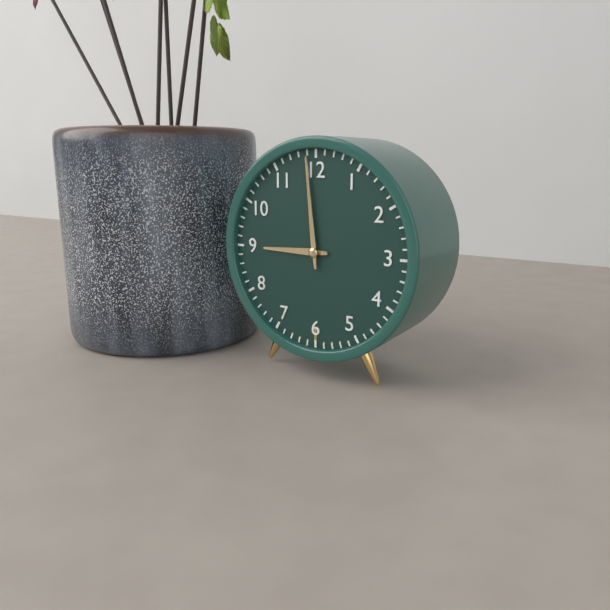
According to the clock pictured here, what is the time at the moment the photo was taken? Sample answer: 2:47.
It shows 8:59
